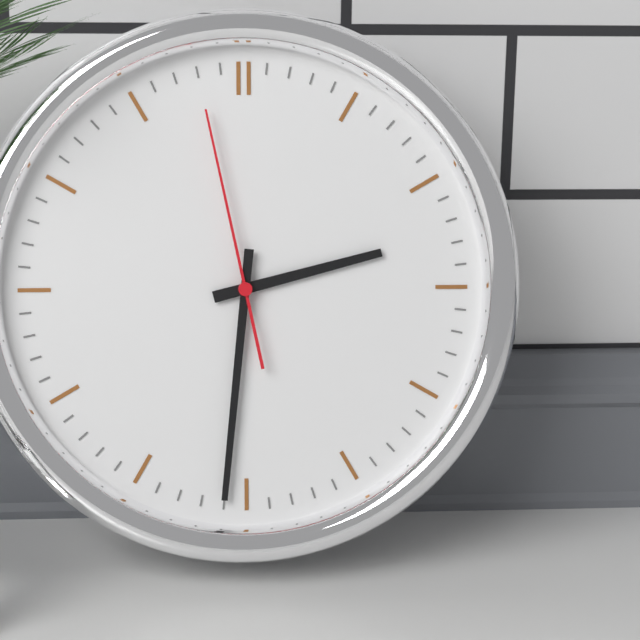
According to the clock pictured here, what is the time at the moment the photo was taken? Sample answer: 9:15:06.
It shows 2:31:58
